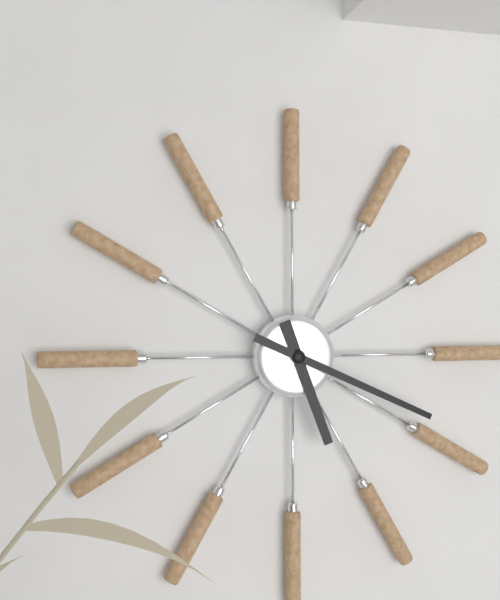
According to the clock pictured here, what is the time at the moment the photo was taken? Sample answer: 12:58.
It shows 5:19
